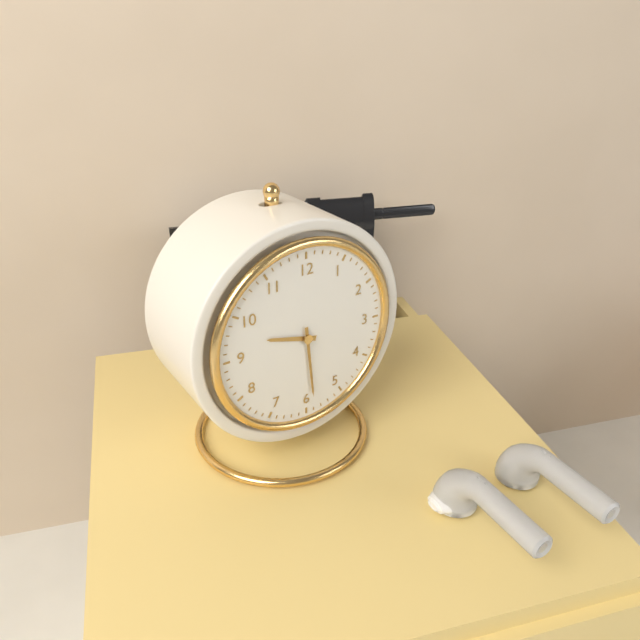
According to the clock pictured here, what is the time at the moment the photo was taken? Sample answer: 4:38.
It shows 9:29
